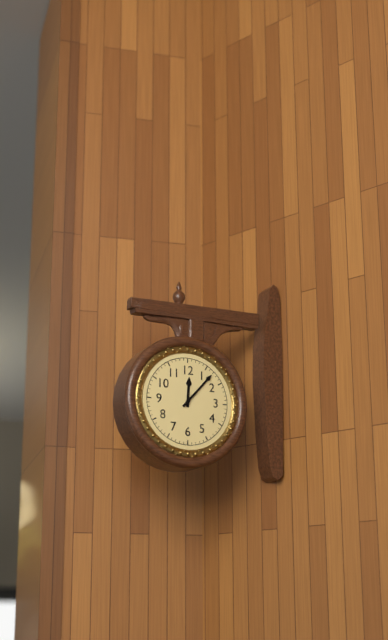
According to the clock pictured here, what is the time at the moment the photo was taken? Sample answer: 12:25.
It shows 12:07
